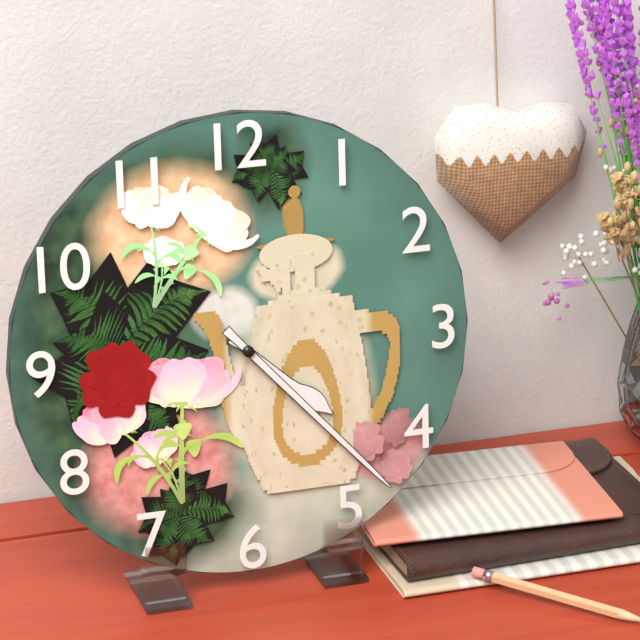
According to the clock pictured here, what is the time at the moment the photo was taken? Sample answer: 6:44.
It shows 4:23
